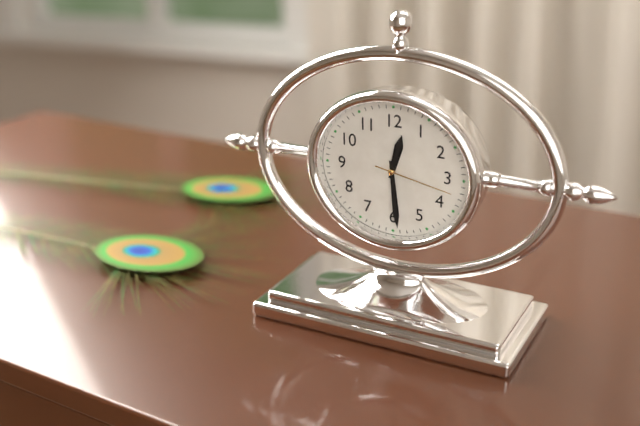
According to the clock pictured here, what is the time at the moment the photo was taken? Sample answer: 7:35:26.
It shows 12:29:17
